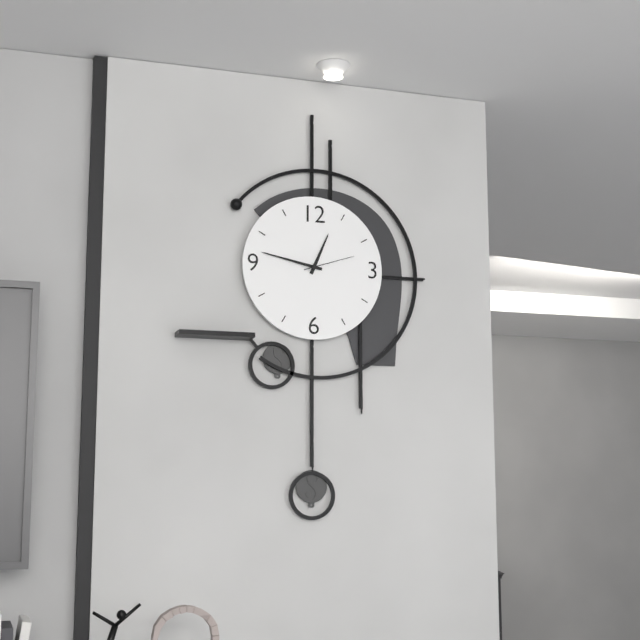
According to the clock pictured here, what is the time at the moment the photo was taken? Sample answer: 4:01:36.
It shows 12:47:12
